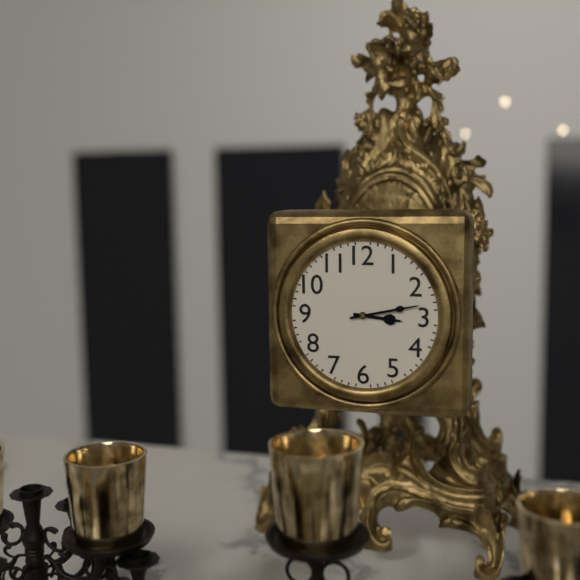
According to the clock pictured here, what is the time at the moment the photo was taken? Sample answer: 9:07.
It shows 3:13
